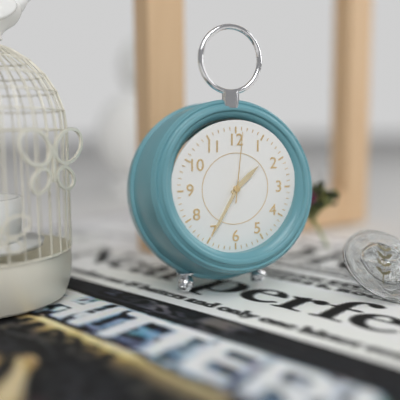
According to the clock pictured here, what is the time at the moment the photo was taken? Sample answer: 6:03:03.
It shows 1:35:01
